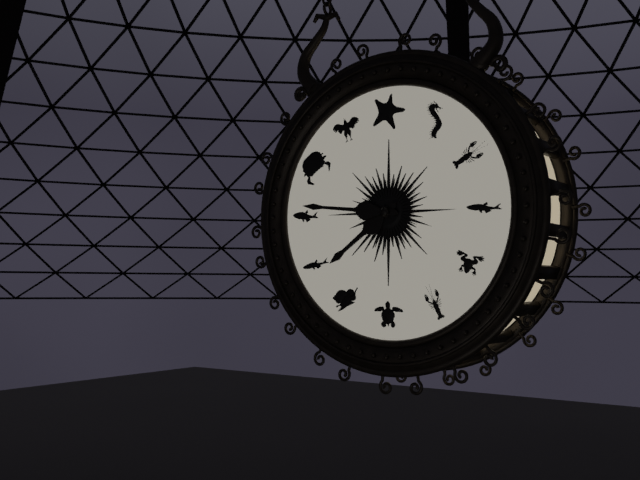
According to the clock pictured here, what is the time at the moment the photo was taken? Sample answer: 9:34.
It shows 7:46
